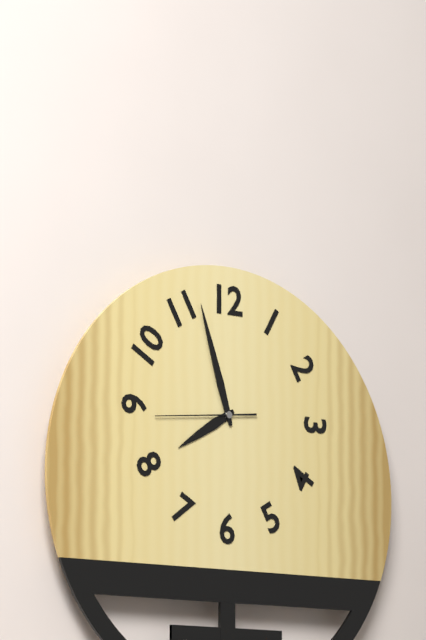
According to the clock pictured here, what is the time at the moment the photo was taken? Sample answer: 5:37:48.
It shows 7:57:44
